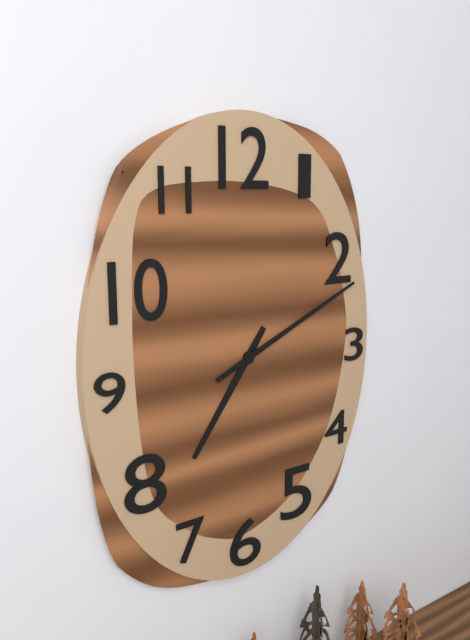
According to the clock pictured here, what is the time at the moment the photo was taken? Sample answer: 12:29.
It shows 7:11
